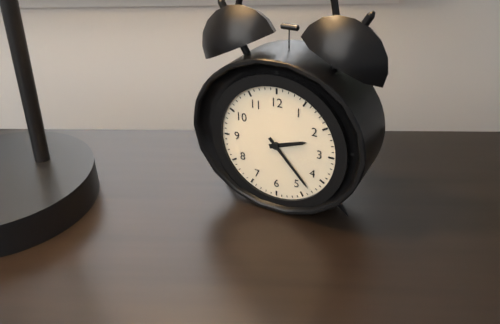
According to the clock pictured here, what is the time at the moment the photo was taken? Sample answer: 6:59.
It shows 2:23
